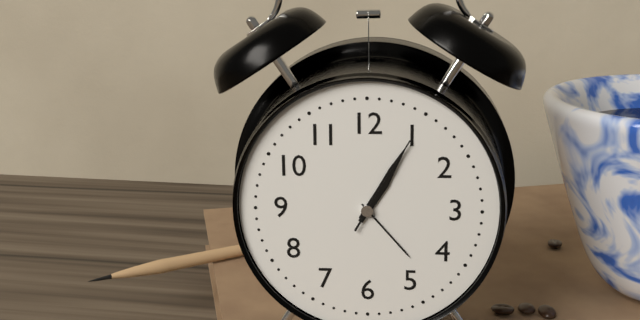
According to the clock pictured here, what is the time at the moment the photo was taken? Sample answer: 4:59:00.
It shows 1:05:05
